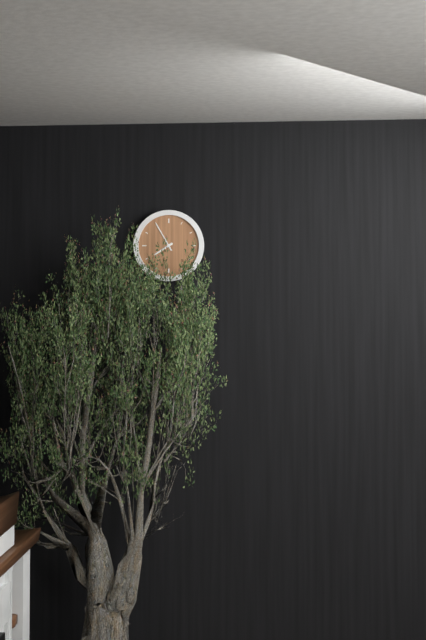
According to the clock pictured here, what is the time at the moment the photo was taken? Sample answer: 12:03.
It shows 7:55
